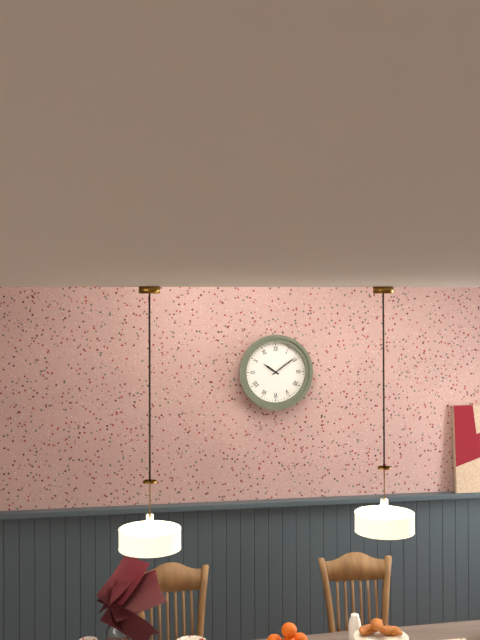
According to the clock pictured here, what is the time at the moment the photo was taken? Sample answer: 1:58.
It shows 10:09
